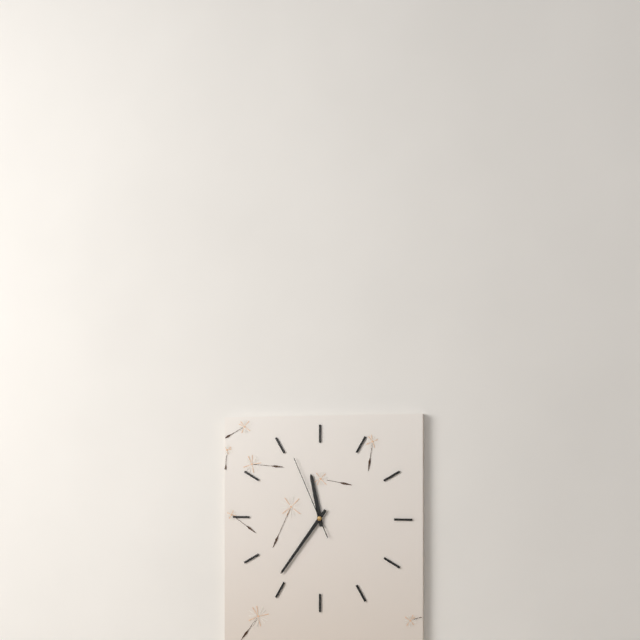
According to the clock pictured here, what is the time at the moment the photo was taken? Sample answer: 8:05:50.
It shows 11:36:56
